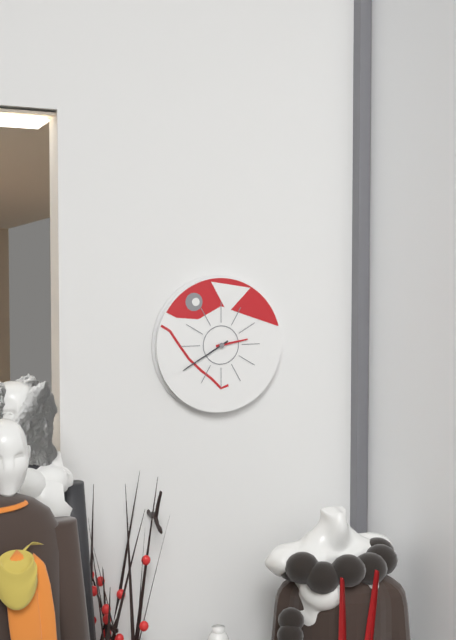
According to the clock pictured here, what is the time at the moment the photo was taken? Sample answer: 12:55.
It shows 2:40
